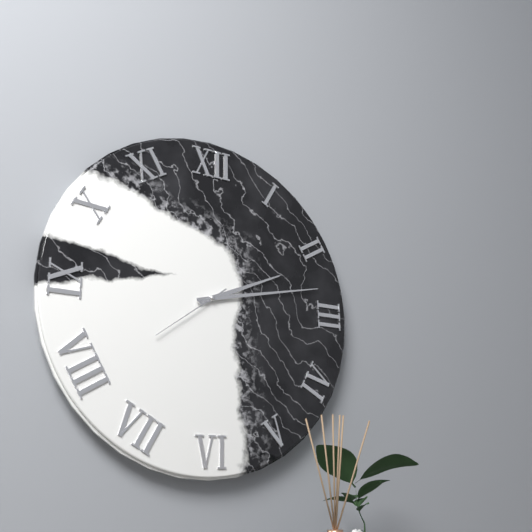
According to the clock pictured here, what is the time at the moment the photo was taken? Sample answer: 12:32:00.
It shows 2:13:39
